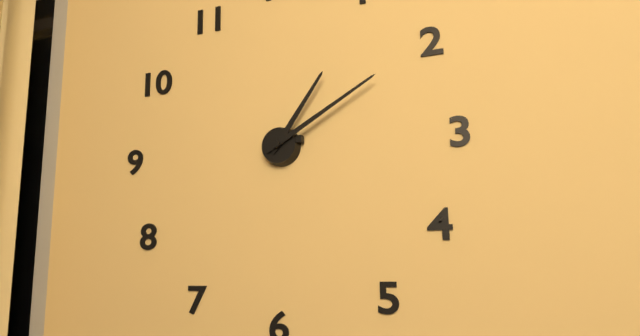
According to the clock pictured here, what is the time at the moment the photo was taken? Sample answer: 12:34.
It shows 1:10
